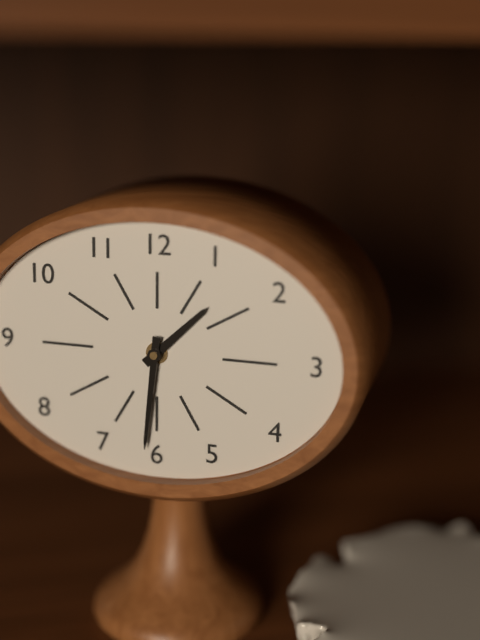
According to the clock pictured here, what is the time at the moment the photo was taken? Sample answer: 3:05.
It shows 1:31
